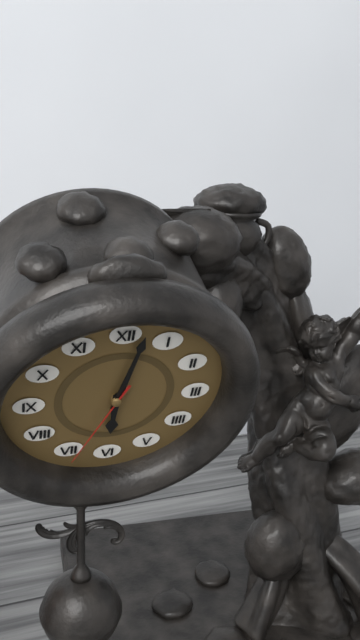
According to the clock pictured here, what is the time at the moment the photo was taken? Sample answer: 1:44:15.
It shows 6:02:34
